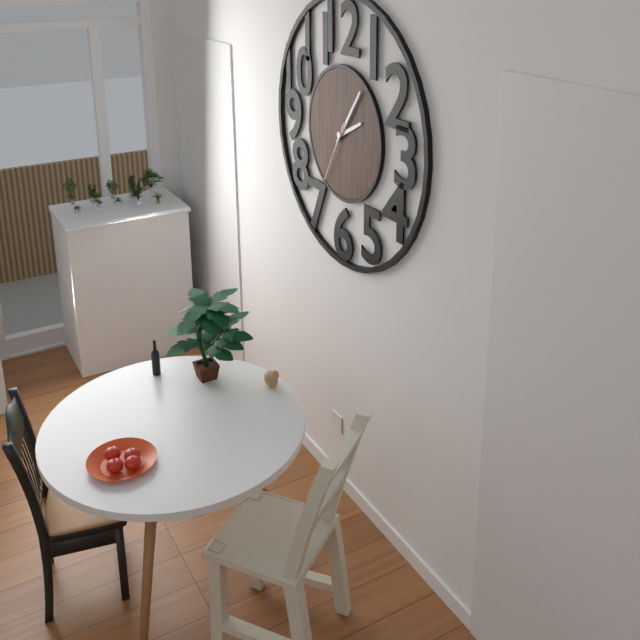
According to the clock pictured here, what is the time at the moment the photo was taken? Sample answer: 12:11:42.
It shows 2:06:35
